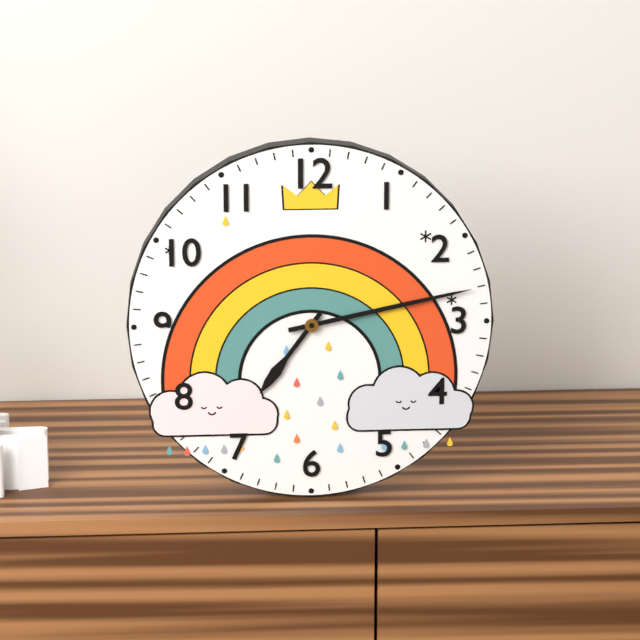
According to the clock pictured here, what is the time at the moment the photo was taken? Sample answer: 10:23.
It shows 7:13
